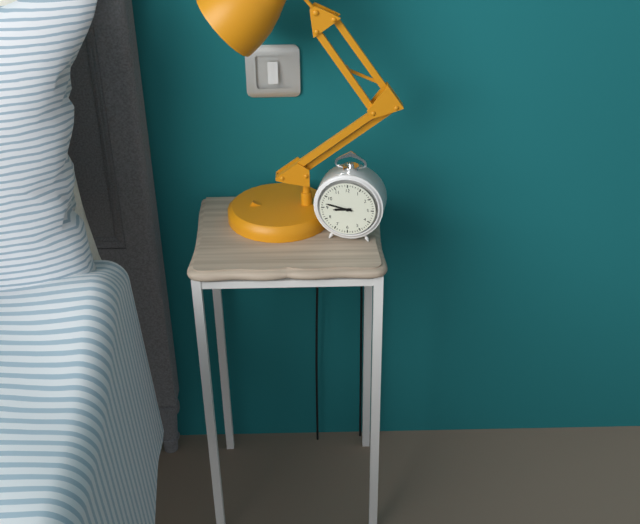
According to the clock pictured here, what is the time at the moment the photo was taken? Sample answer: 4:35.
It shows 8:47
